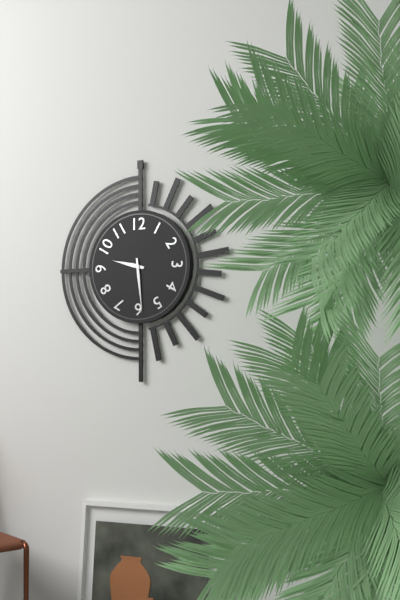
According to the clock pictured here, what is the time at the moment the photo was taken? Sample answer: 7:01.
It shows 9:29
